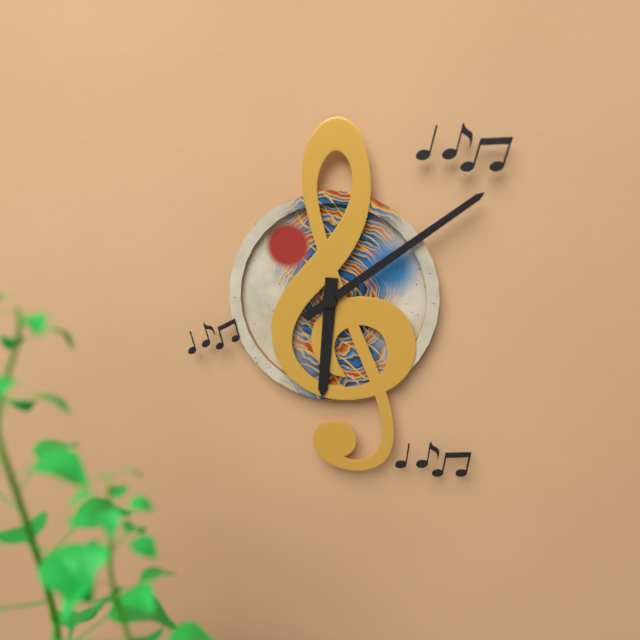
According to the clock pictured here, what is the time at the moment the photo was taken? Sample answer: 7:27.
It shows 6:09
